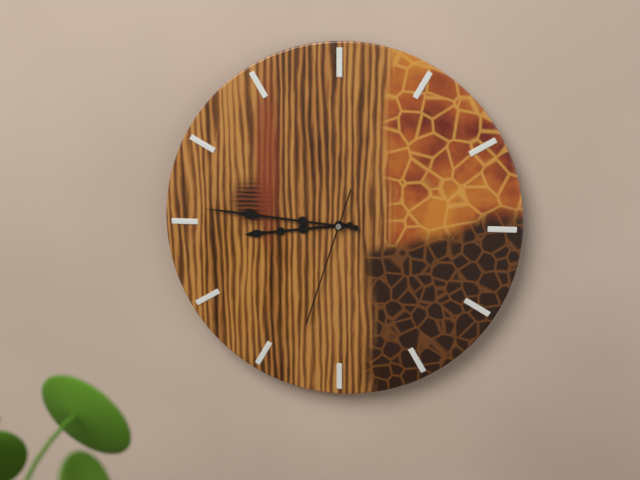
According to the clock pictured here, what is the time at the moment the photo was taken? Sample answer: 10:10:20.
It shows 8:46:33
